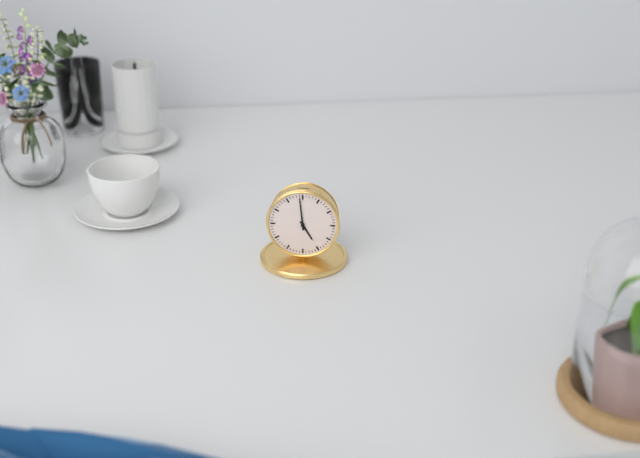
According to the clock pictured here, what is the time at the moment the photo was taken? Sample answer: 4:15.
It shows 4:59
